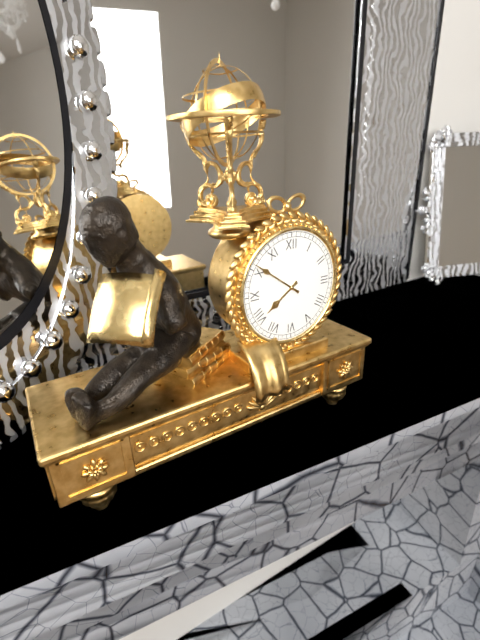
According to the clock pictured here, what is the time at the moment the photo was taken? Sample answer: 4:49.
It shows 7:51
